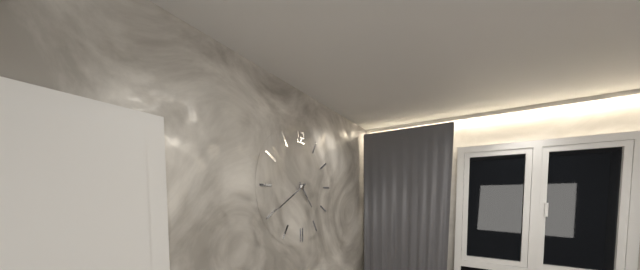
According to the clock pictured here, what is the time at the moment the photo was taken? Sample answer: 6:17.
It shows 4:40
